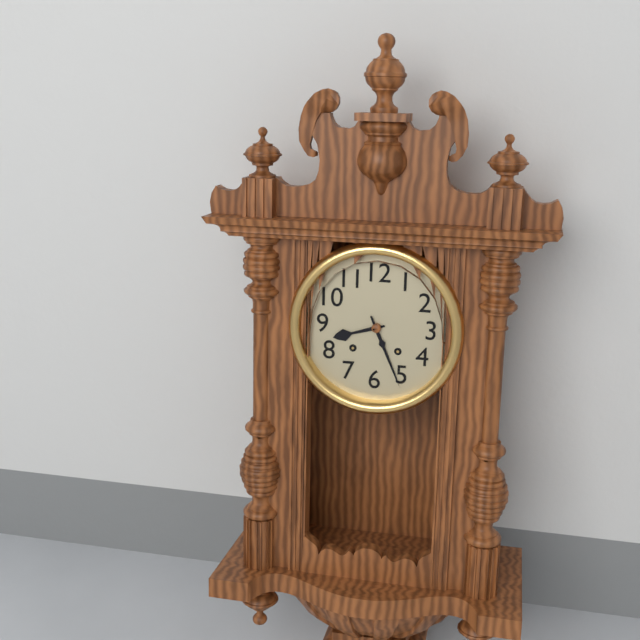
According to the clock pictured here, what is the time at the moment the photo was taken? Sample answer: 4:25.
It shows 8:26
